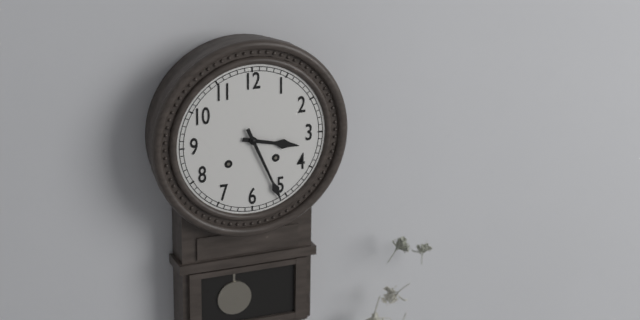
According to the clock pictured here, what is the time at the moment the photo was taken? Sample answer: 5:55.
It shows 3:26
